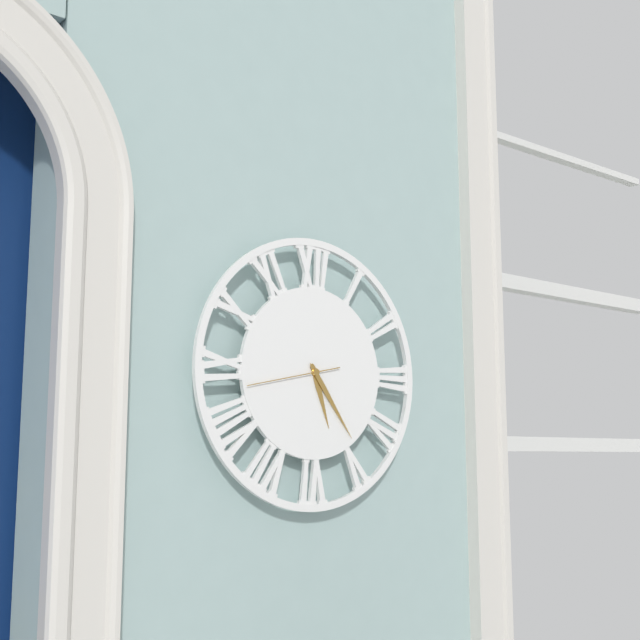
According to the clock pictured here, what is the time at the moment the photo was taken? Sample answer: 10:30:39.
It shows 5:24:43
